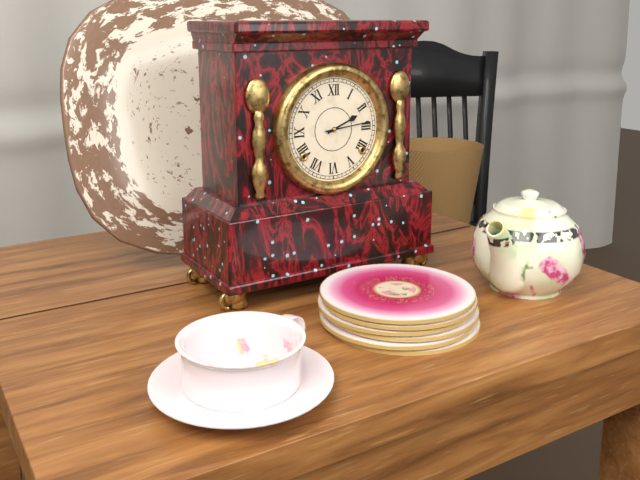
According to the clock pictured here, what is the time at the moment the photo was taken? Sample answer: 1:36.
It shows 2:14
